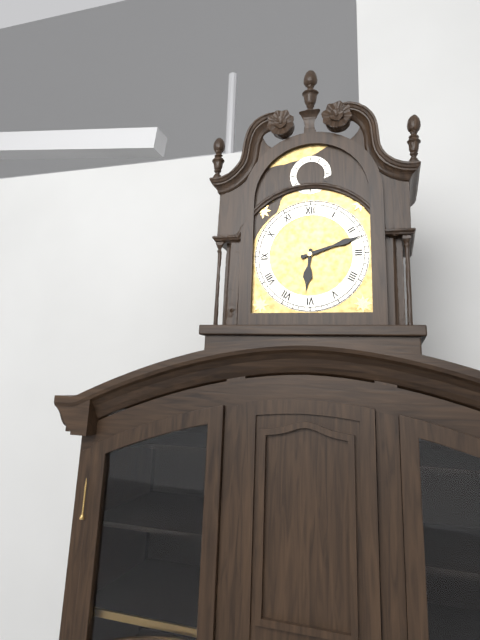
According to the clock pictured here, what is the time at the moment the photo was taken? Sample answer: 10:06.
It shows 6:12
